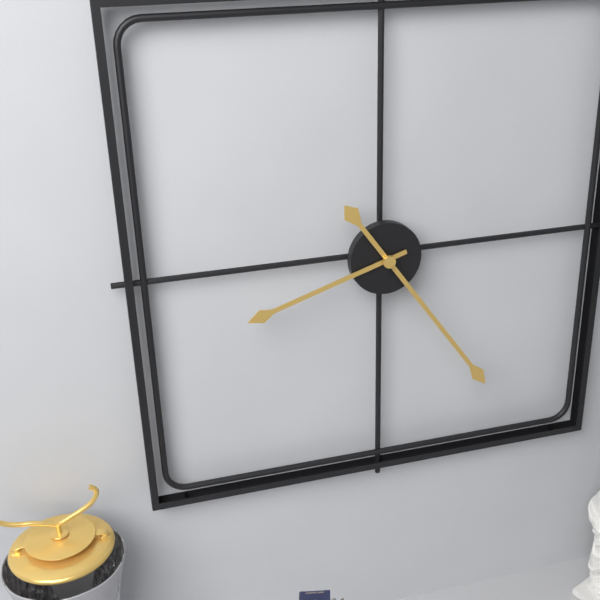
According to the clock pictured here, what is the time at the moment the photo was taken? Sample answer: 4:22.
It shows 8:24
